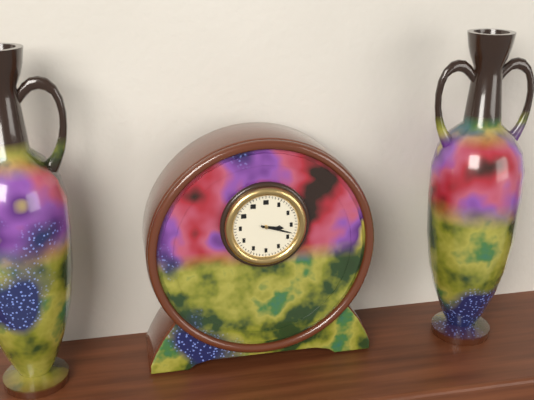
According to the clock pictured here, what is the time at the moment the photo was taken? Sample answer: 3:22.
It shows 3:18
